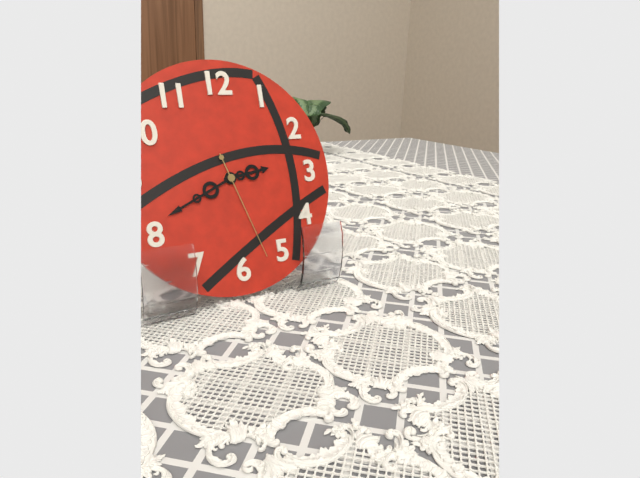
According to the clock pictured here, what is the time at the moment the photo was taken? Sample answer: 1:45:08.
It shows 2:41:27
